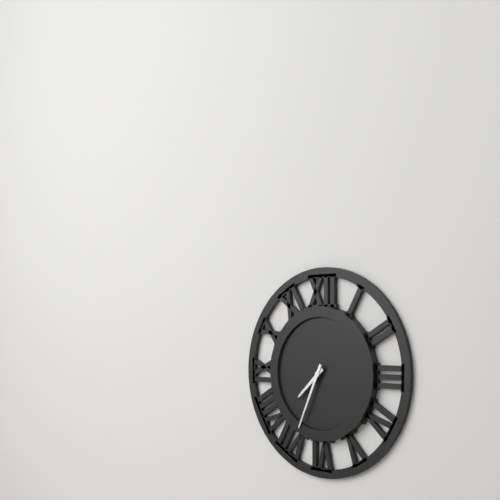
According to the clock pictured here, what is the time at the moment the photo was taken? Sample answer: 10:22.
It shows 7:34
